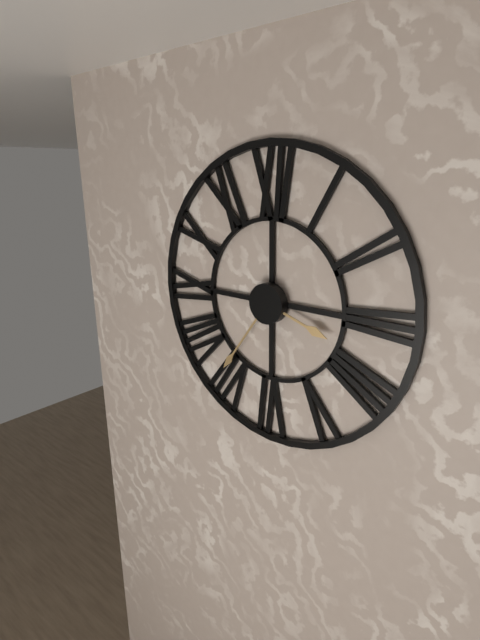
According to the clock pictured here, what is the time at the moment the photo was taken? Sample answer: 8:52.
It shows 3:36
